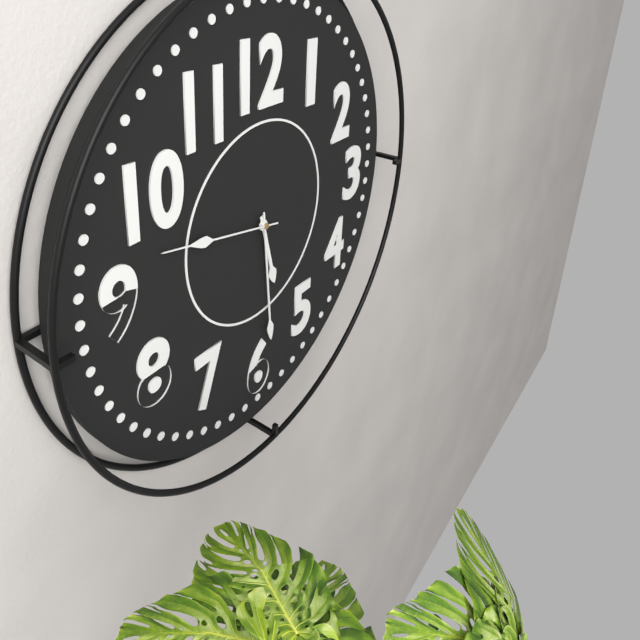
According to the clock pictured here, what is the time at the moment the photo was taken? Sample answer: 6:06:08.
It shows 5:29:47
